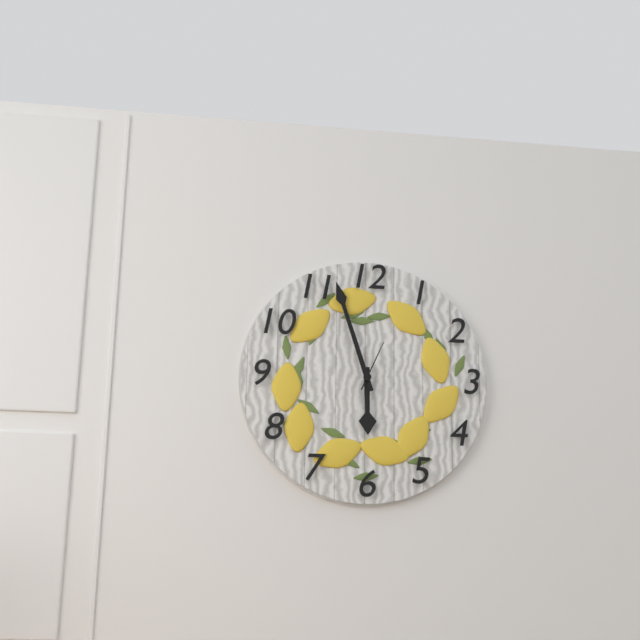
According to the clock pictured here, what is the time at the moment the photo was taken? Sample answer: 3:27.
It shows 5:57
